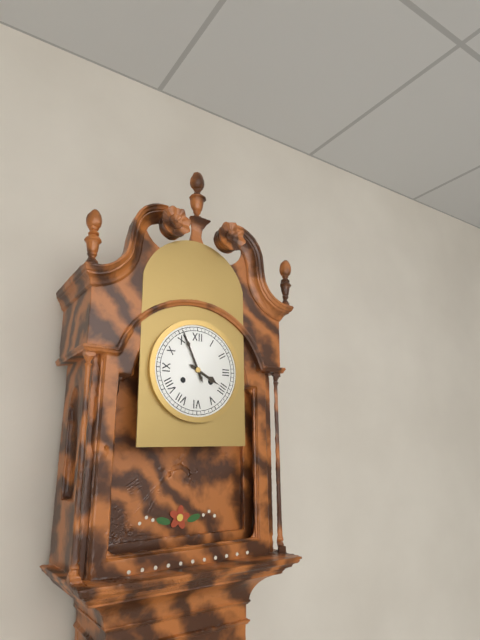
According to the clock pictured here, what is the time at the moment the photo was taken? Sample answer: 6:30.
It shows 3:56
